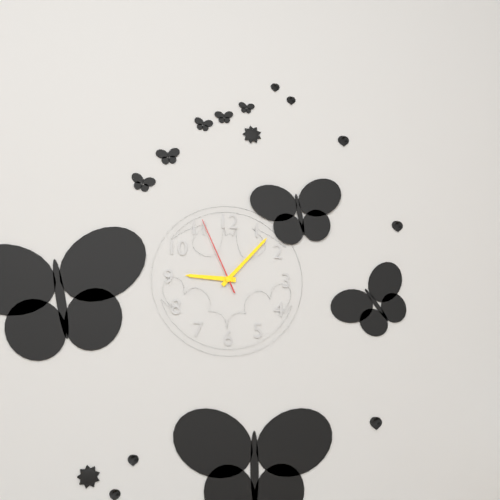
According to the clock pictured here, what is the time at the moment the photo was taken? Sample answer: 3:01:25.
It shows 9:07:56
